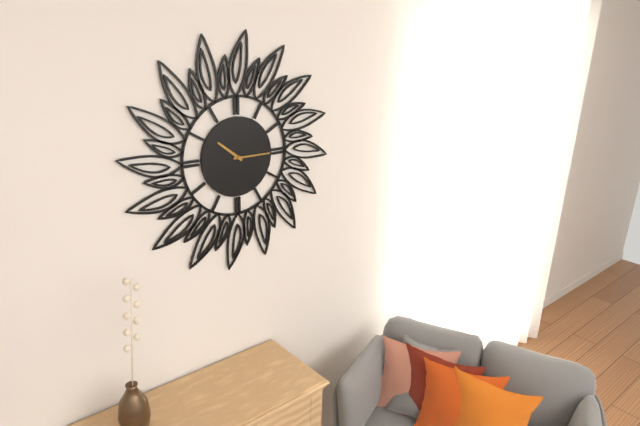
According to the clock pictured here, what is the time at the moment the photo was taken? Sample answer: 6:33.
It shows 10:15
